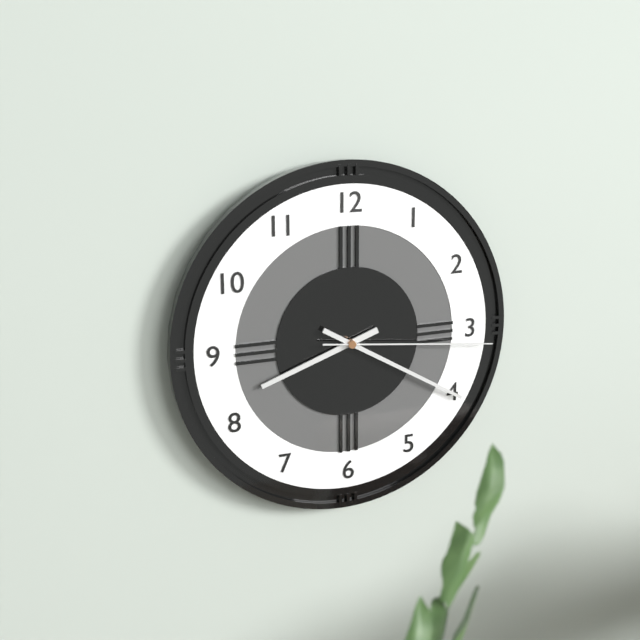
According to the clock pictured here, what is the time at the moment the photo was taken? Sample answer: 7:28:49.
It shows 8:20:16
